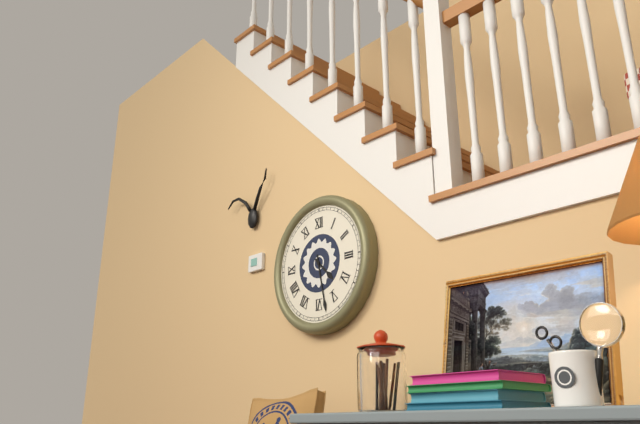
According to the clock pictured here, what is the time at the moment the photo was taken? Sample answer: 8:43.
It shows 4:28
